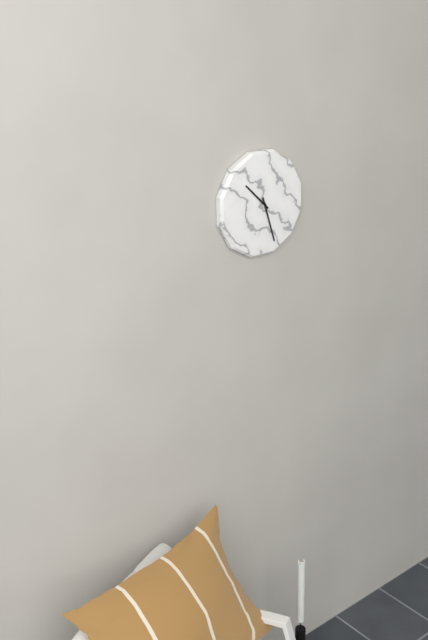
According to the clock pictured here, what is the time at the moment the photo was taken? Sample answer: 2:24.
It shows 10:27
